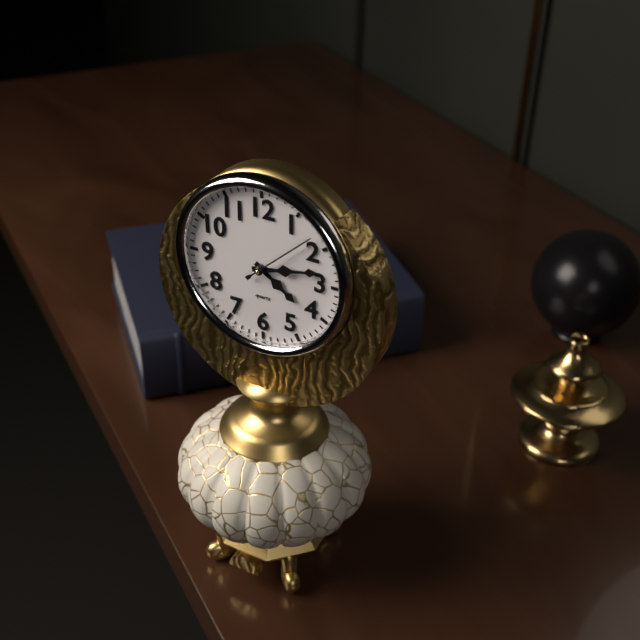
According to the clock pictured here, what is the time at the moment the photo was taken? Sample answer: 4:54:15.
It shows 4:13:08
